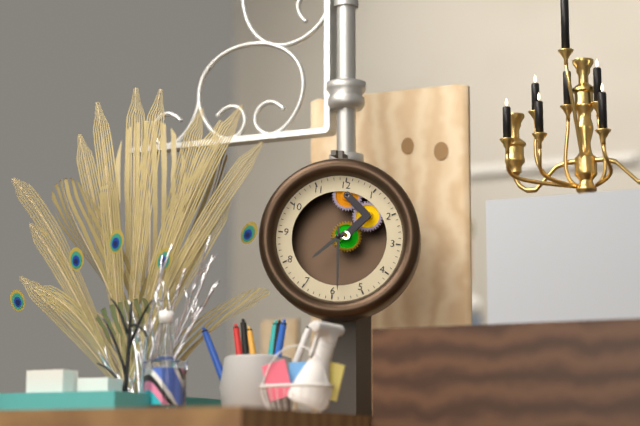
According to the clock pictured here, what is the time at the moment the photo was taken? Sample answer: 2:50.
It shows 7:29
